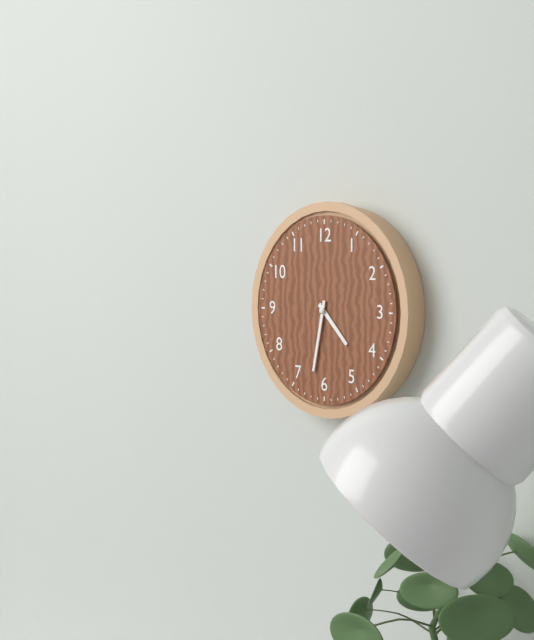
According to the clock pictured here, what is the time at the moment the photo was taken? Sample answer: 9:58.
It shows 4:32
